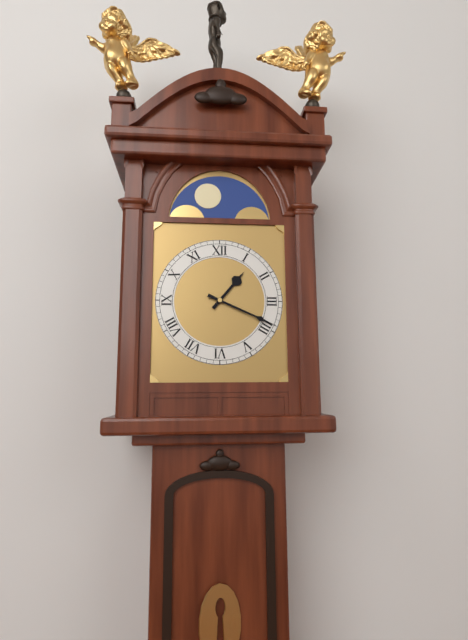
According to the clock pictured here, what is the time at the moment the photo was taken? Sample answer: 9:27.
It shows 1:19
